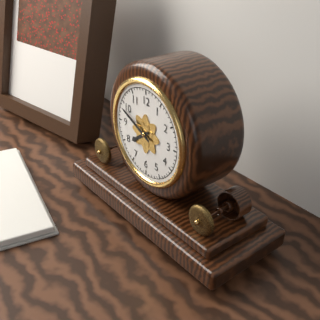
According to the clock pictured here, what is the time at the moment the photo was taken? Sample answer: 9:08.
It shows 7:49
